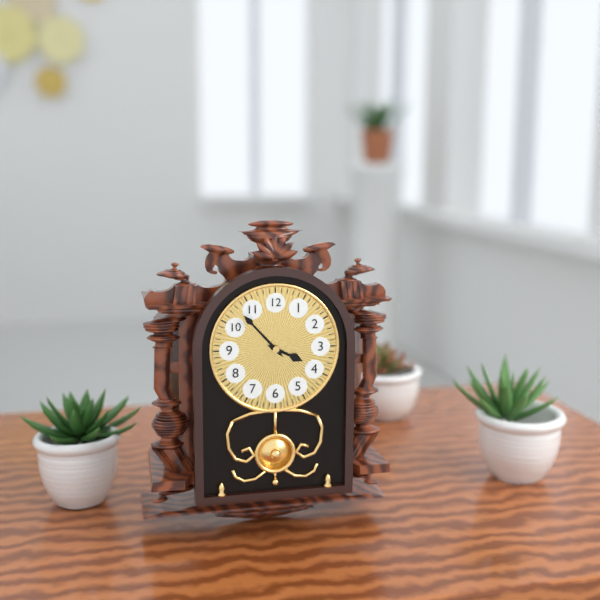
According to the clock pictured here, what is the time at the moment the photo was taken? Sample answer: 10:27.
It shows 3:53
